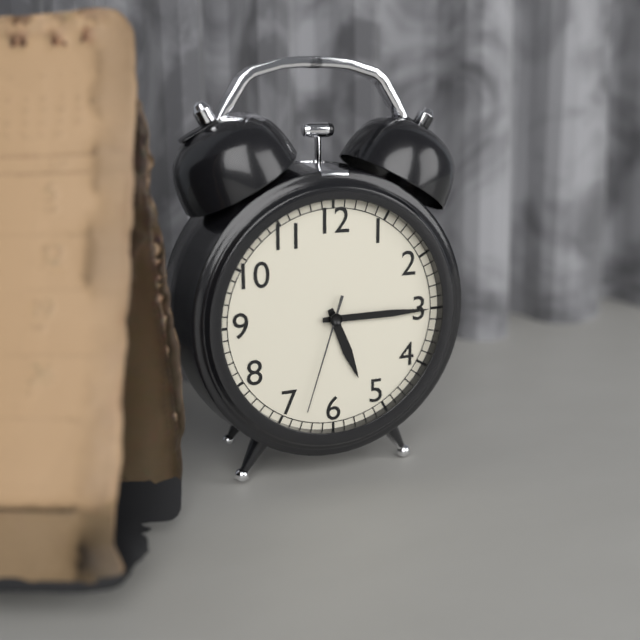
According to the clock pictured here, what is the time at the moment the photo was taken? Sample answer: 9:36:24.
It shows 5:15:33
